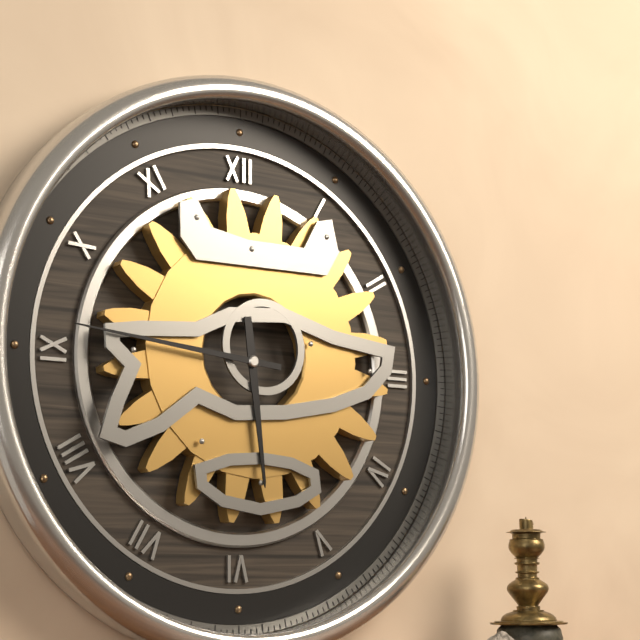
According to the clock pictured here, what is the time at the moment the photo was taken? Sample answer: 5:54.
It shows 5:46
